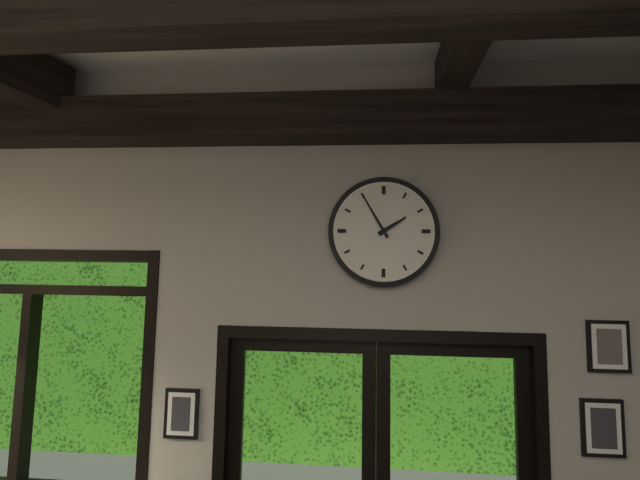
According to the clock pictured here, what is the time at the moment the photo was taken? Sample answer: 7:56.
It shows 1:55
